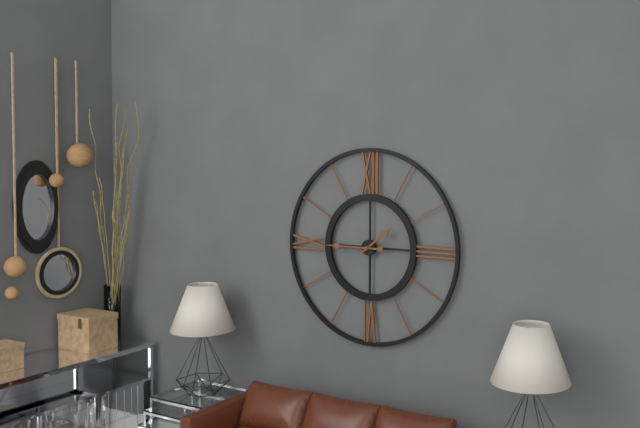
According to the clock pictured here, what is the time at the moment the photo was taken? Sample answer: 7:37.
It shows 1:45
